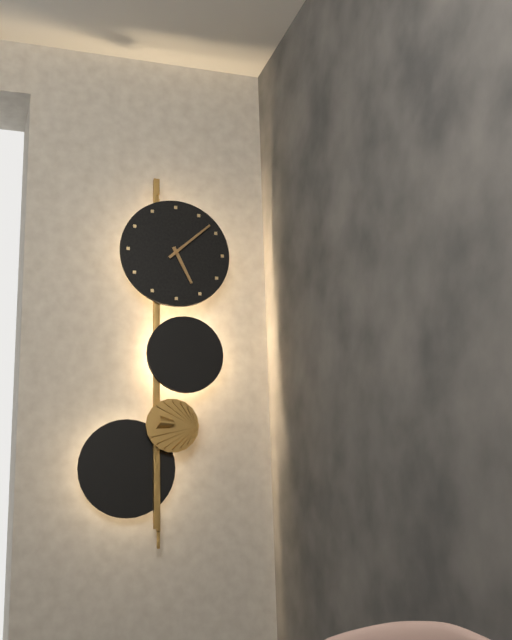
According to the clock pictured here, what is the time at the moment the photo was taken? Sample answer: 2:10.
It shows 5:08
